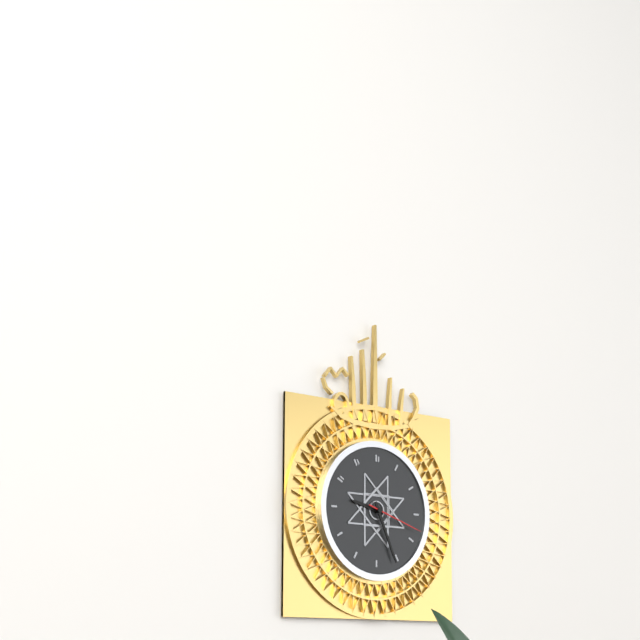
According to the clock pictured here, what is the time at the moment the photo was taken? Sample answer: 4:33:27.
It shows 9:26:18
